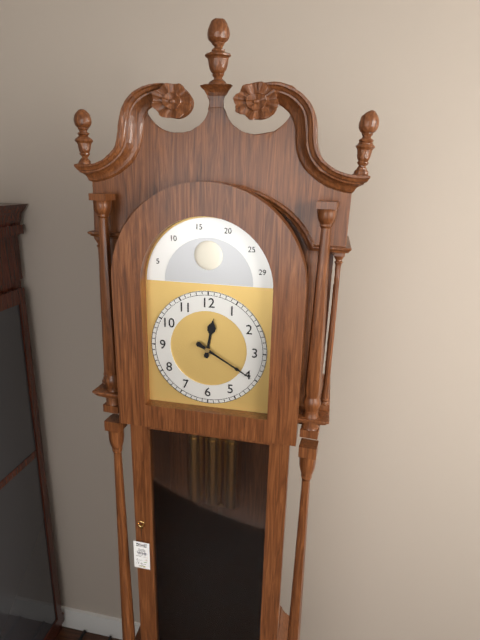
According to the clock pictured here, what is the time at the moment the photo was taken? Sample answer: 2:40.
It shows 12:20
